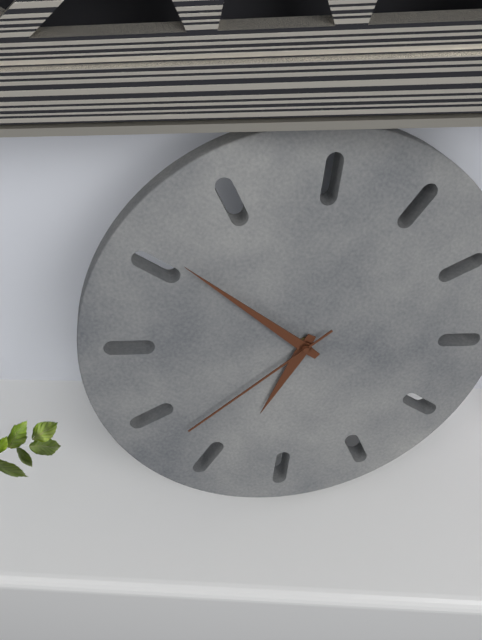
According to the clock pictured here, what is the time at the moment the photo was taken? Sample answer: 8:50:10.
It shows 5:46:33
